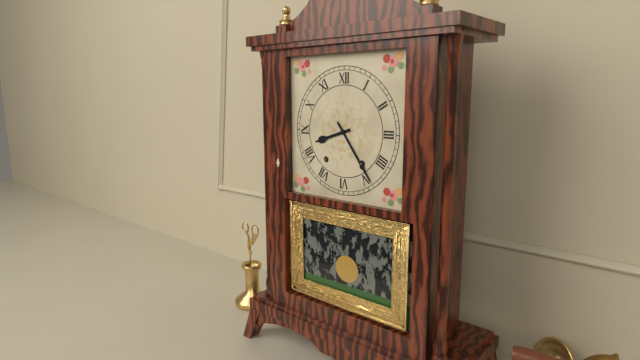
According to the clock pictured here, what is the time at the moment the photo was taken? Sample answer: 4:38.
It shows 8:24
